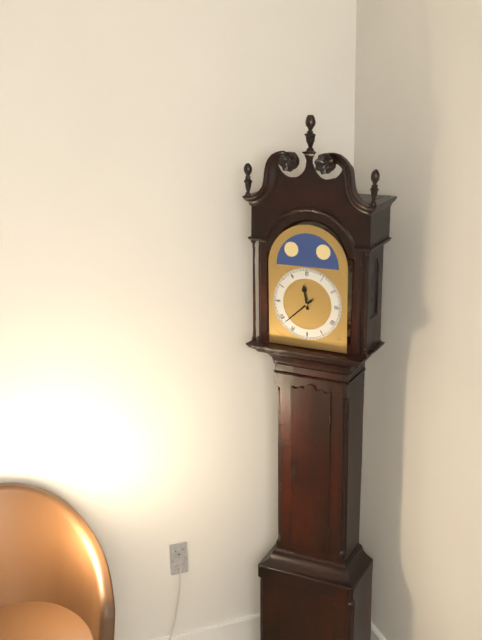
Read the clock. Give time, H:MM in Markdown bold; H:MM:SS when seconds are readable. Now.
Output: **11:38**
